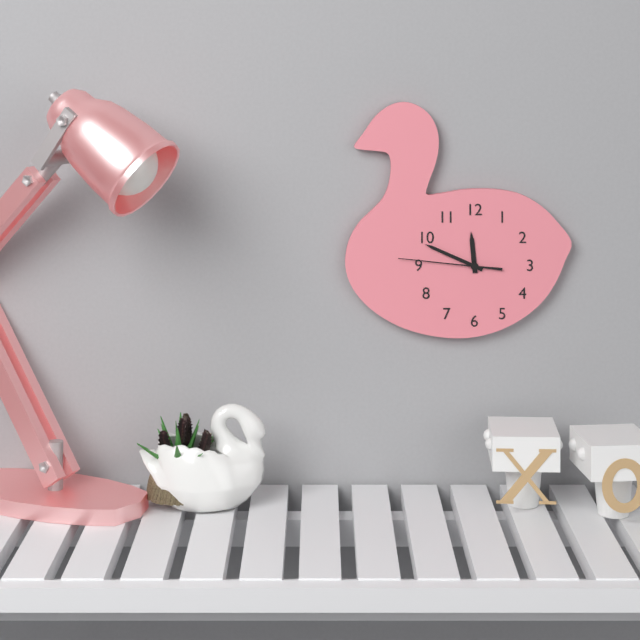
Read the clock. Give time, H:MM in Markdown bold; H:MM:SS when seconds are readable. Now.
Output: **11:49:46**
